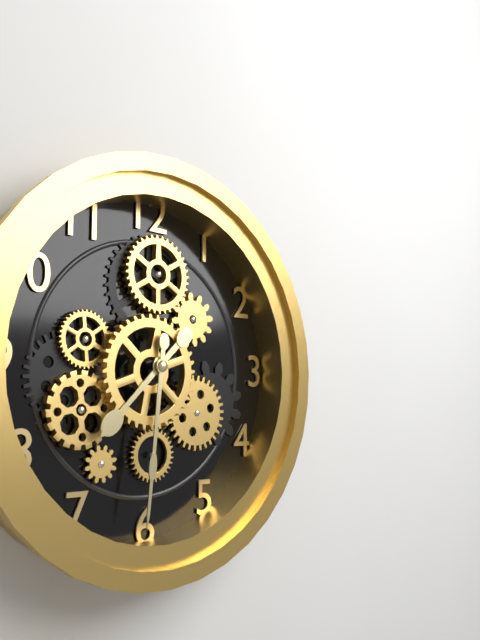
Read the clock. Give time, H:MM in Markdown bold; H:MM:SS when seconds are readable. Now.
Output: **7:31**
